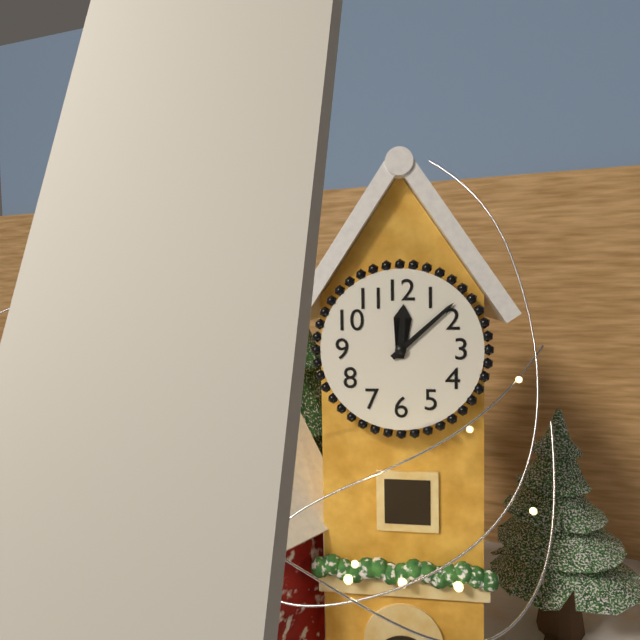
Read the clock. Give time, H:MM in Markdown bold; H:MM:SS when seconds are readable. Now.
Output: **12:08**
